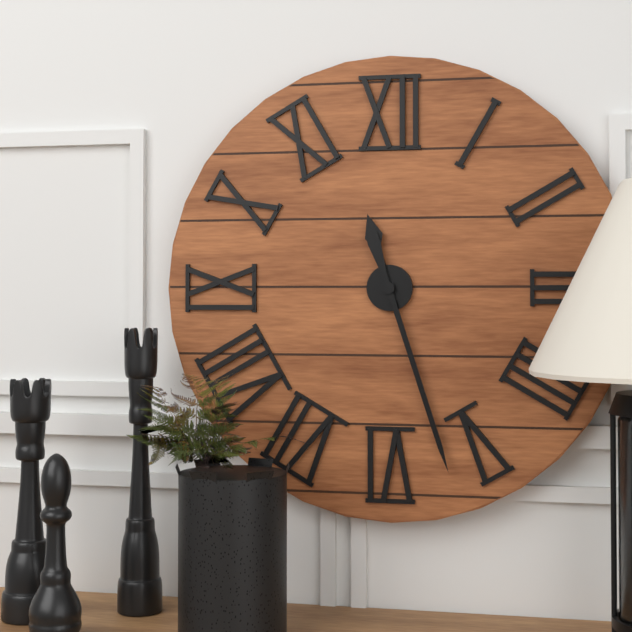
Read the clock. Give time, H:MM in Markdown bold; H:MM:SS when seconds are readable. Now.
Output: **11:27**
